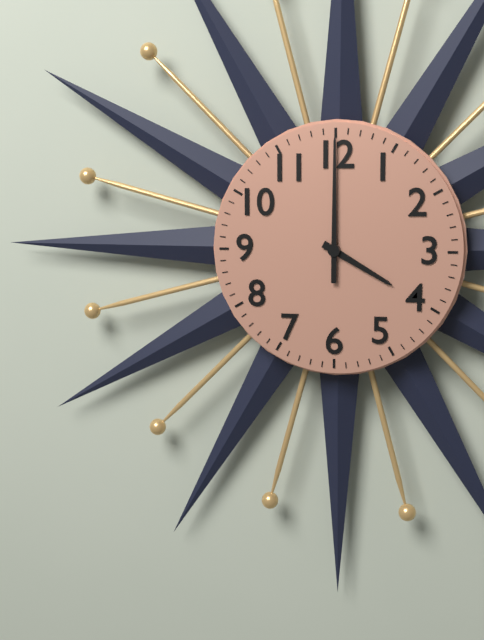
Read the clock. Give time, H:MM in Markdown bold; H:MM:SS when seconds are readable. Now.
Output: **4:00**
